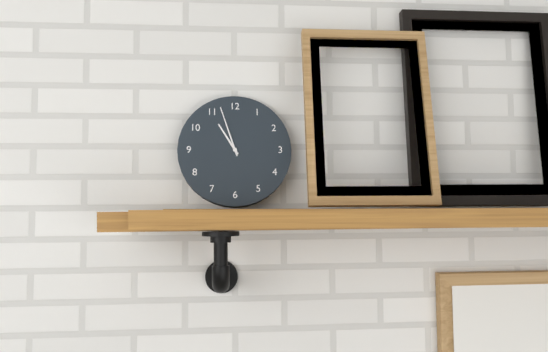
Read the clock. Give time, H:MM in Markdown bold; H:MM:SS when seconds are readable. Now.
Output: **10:57**
